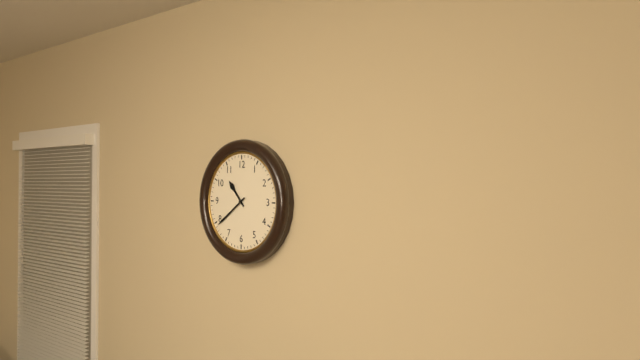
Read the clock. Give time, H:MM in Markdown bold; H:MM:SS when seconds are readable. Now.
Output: **10:39**
